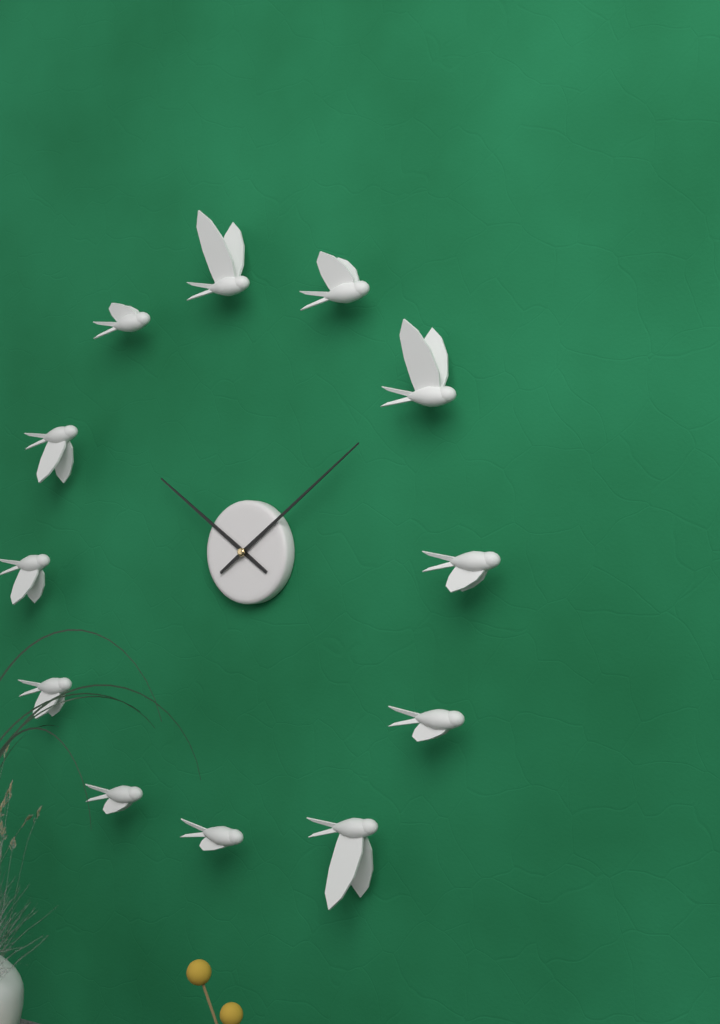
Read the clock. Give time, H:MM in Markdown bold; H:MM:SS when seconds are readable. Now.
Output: **10:09**
